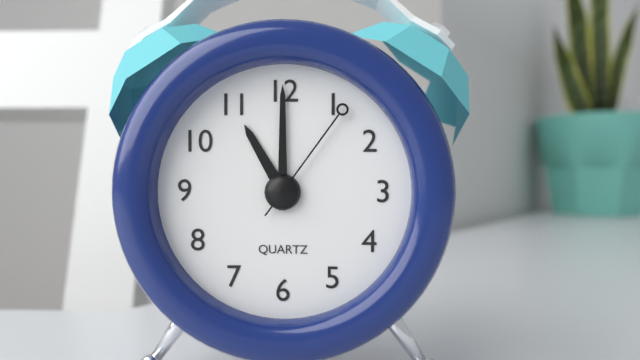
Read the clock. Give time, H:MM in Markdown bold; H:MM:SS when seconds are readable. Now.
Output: **11:00:06**
